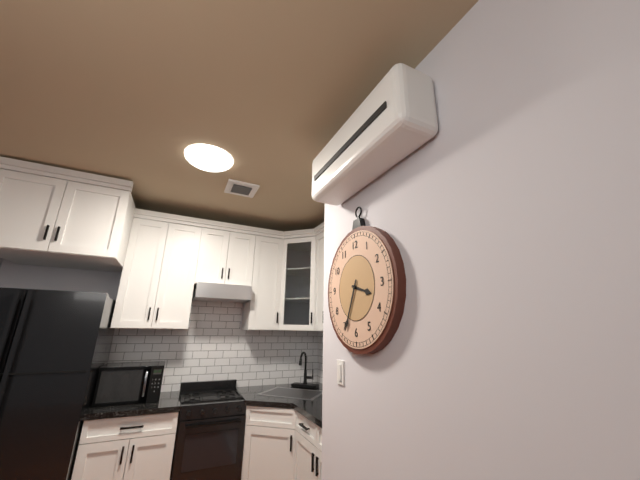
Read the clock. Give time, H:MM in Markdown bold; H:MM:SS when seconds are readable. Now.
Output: **3:34**
